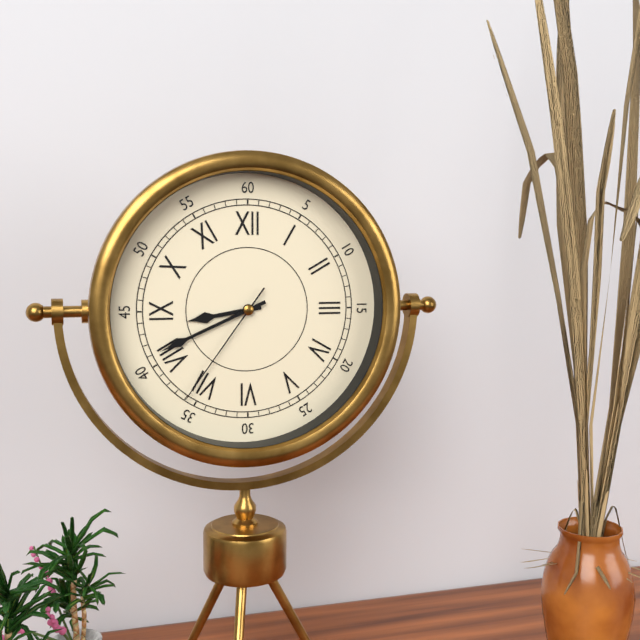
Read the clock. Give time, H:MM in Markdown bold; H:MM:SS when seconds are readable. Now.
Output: **8:41:36**
